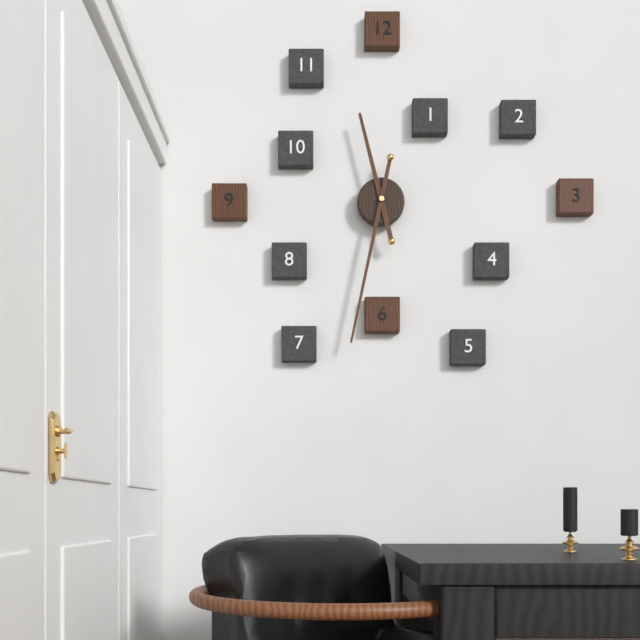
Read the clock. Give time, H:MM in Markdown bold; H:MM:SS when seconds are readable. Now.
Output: **11:32**
